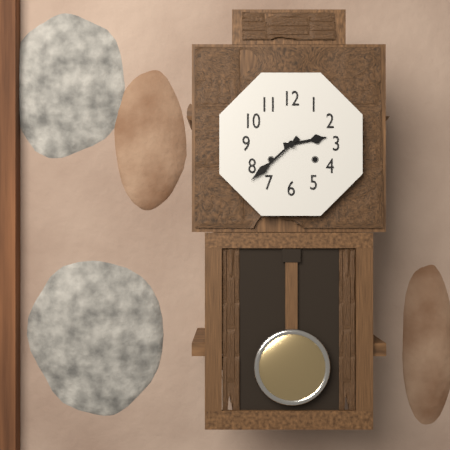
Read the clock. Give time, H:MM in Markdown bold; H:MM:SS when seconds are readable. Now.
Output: **2:38**
